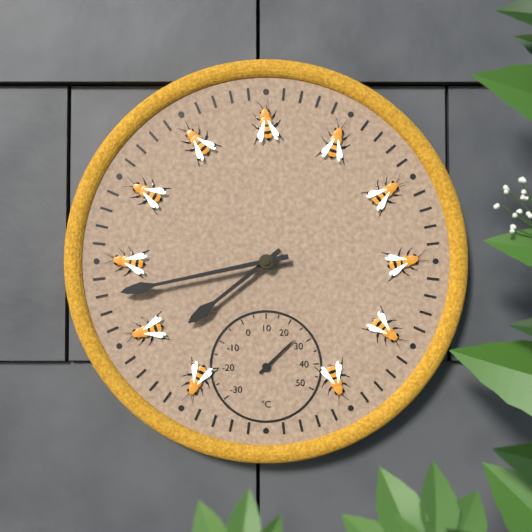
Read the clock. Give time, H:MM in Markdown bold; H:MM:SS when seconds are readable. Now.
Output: **7:43**
